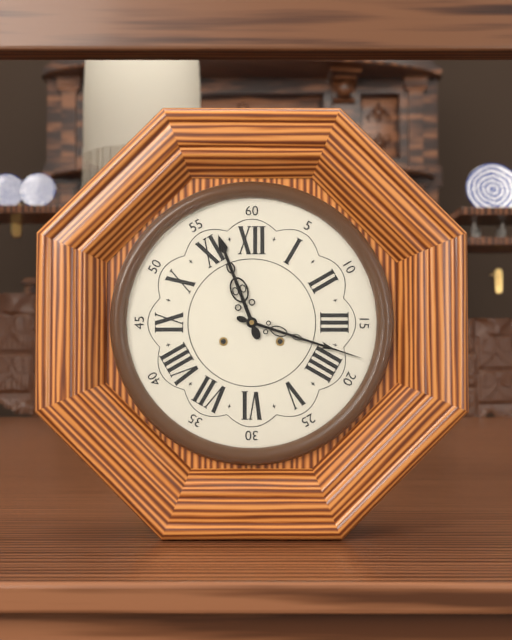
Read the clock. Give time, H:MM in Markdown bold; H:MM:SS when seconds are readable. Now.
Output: **11:18**
